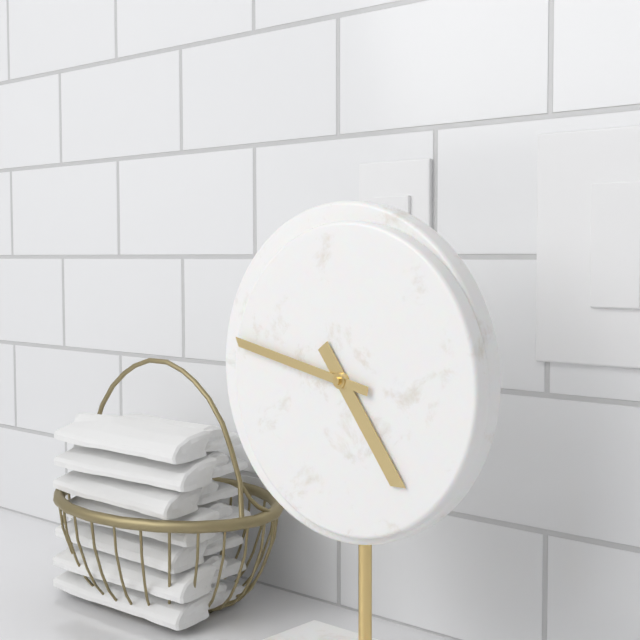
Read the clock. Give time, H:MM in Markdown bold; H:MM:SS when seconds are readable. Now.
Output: **4:47**
